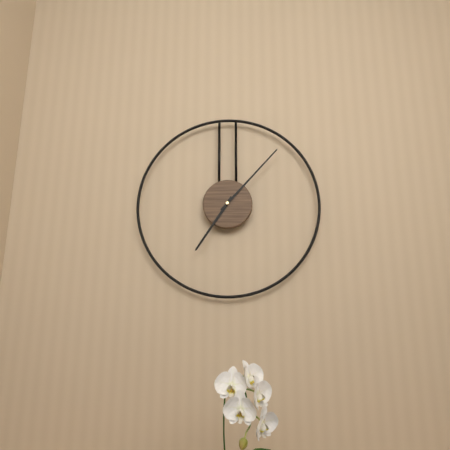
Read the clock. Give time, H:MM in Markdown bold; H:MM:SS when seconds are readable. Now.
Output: **7:07**
